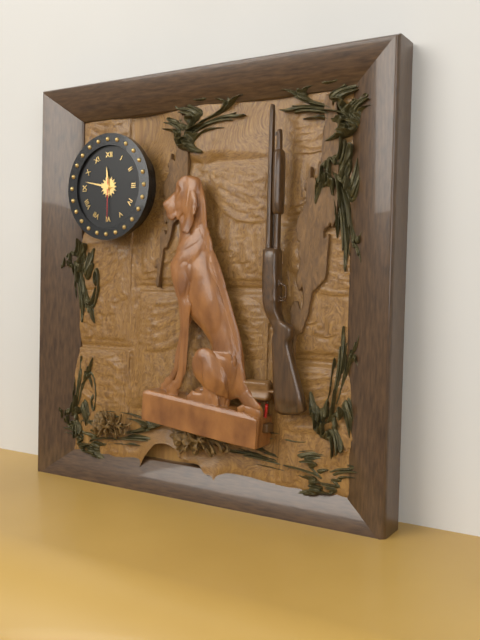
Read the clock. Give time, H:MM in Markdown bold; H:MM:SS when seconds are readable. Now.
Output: **11:47**
